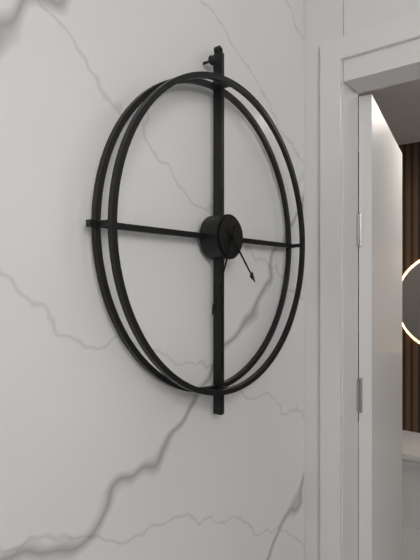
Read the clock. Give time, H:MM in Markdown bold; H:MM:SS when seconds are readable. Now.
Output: **4:34**
